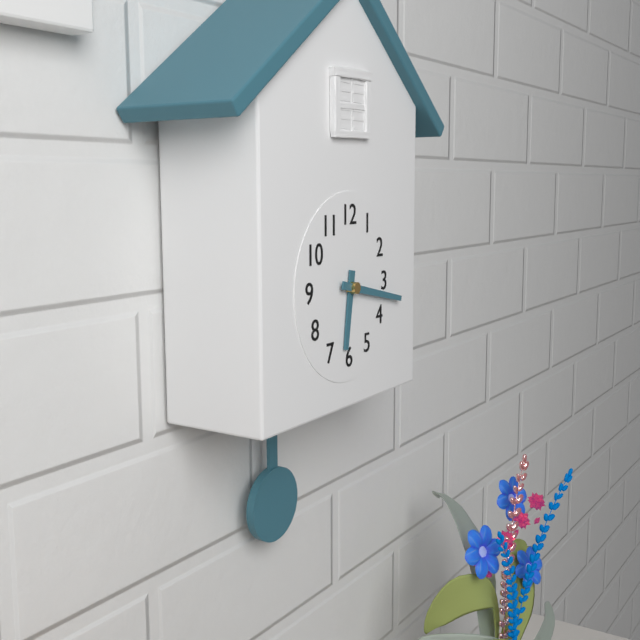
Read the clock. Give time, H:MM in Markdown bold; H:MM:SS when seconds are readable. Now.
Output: **6:17**
